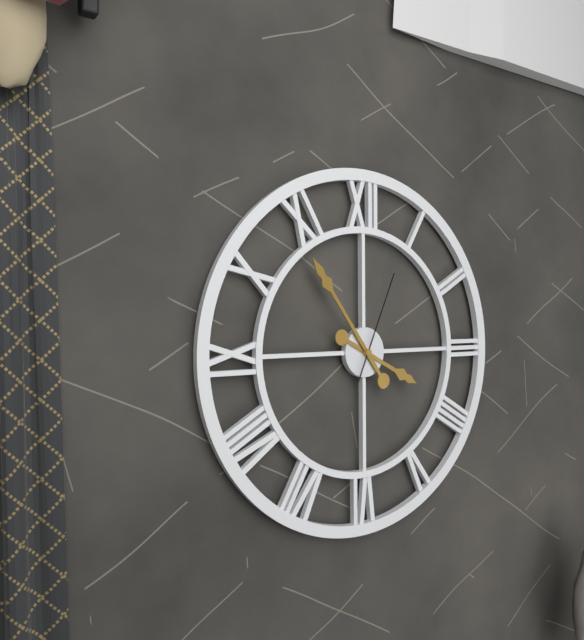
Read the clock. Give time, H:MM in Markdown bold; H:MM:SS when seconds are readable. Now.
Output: **3:54:04**
